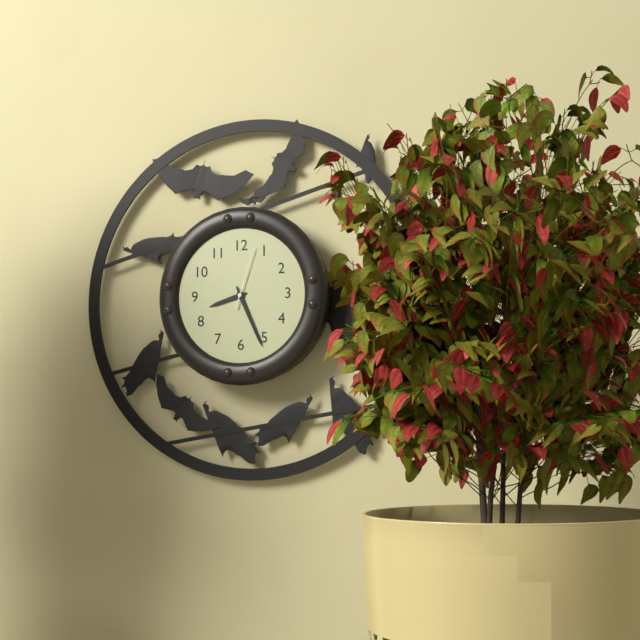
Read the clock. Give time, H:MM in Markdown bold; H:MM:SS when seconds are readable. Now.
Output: **8:26:03**
